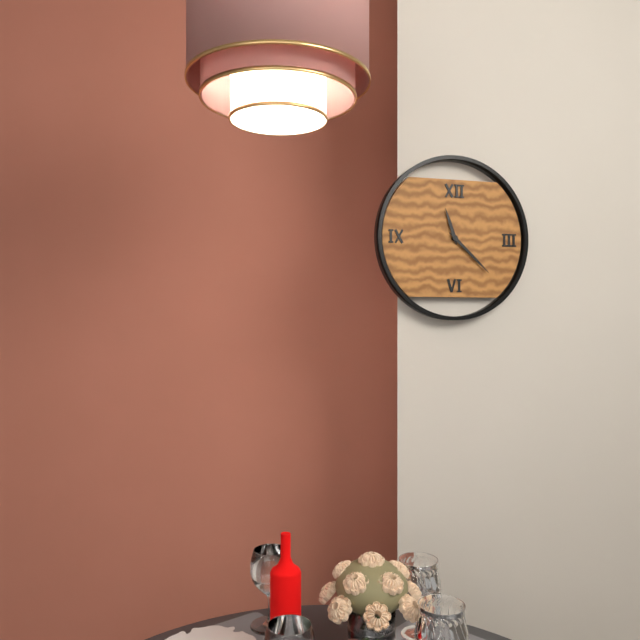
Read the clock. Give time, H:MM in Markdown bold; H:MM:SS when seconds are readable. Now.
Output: **11:22**
